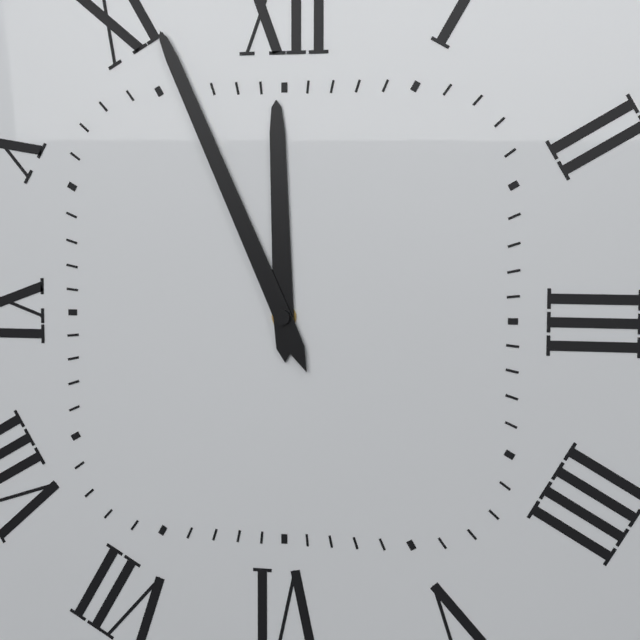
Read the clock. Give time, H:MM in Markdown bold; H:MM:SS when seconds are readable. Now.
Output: **11:56**
